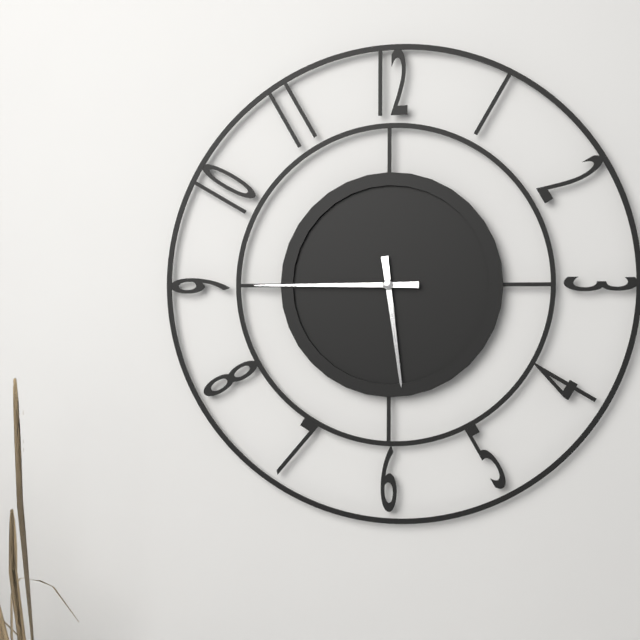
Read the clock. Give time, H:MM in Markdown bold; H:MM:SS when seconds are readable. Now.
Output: **5:45**
